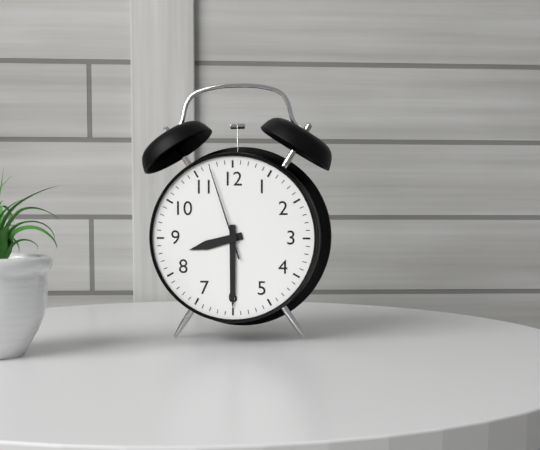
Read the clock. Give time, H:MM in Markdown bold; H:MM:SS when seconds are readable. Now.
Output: **8:30:57**
